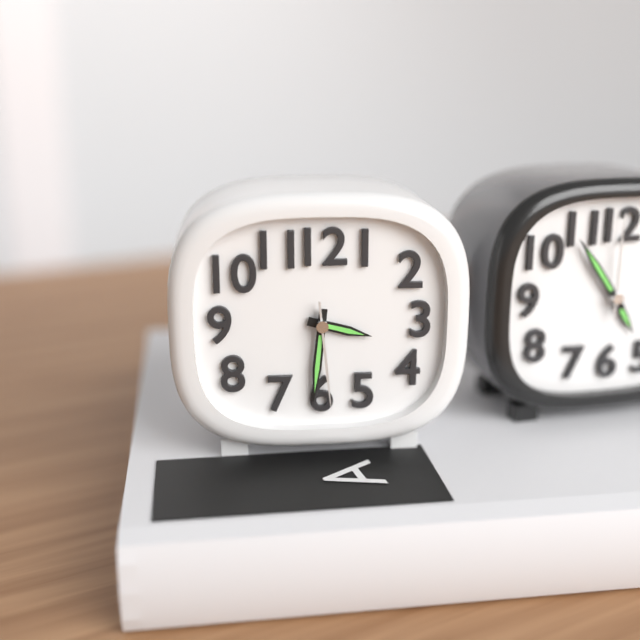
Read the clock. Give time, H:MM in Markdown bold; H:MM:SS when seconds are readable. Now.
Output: **3:31:29**
